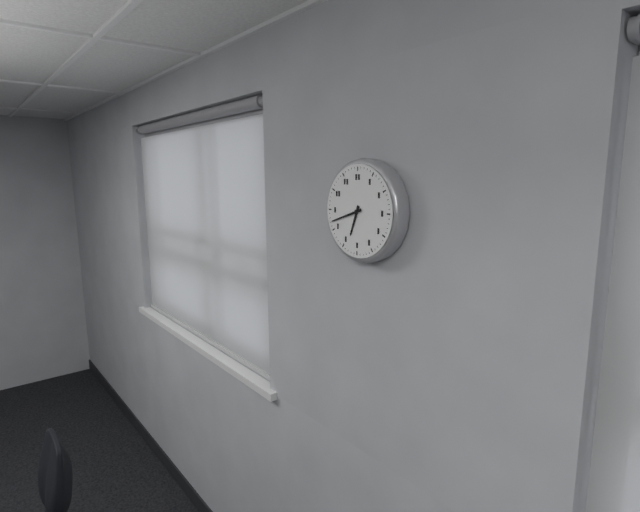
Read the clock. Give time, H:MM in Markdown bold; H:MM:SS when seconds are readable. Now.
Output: **6:42**
